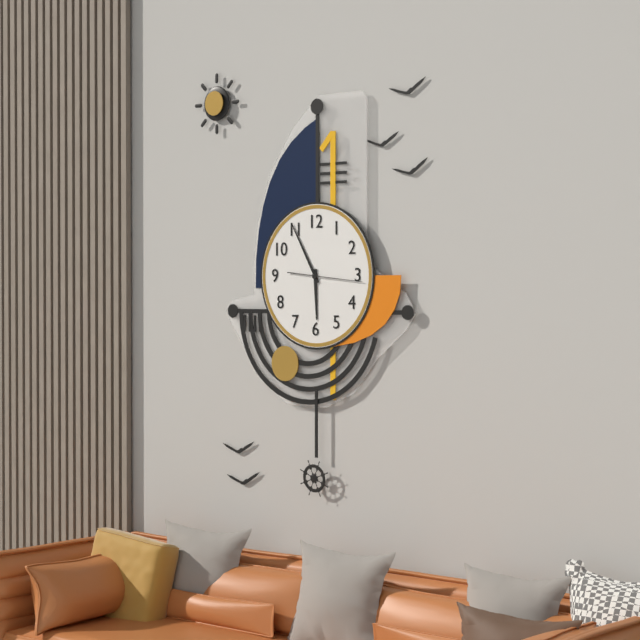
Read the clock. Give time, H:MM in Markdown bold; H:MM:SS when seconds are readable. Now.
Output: **5:55:16**
